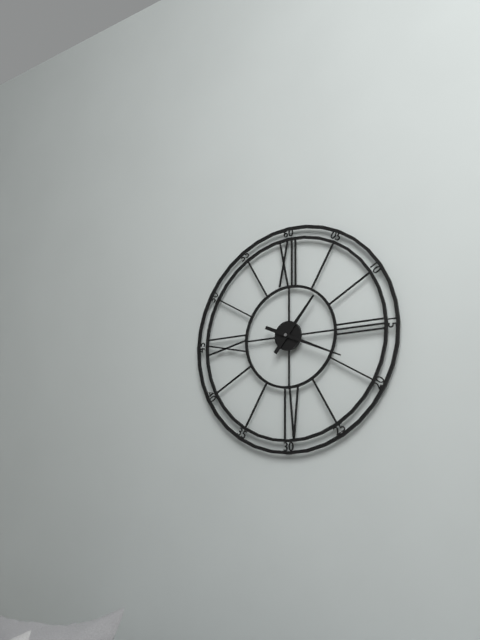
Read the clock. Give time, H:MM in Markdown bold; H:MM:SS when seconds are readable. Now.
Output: **1:19**
